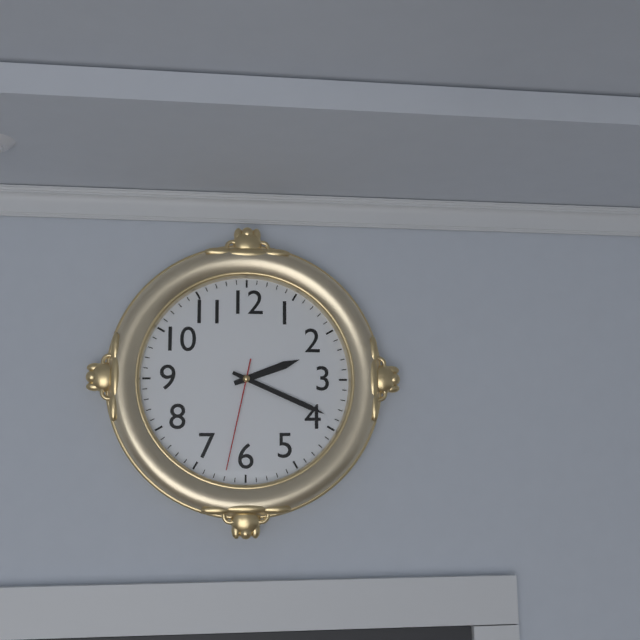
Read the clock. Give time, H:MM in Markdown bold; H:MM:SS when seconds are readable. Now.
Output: **2:19:32**
